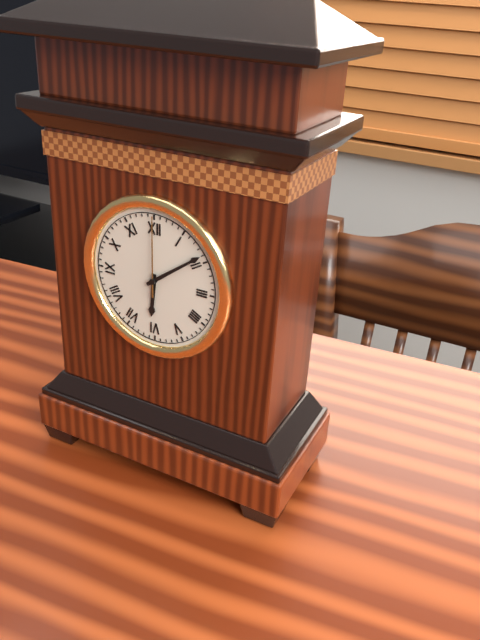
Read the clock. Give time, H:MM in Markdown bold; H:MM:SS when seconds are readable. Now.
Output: **6:09:00**
